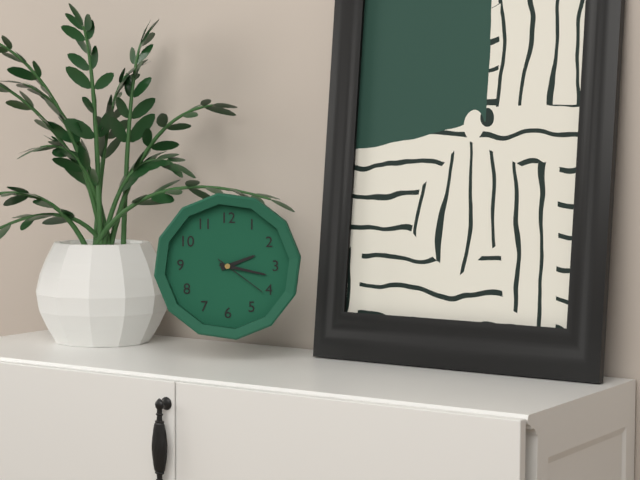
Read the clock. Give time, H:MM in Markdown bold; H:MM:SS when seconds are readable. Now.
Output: **2:17:21**
